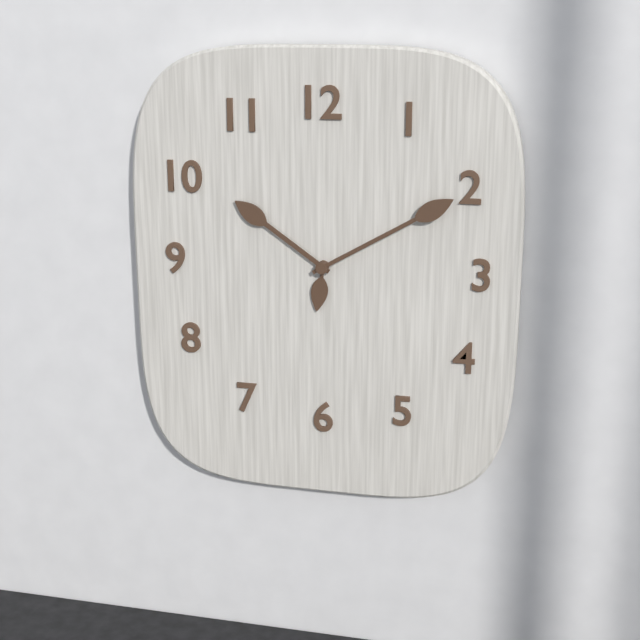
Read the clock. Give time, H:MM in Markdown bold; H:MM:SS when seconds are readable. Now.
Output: **10:10**
